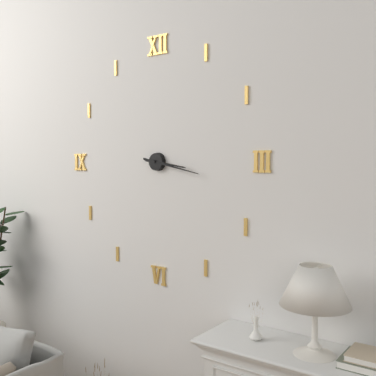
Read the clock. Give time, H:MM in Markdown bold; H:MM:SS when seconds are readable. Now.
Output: **3:17**
